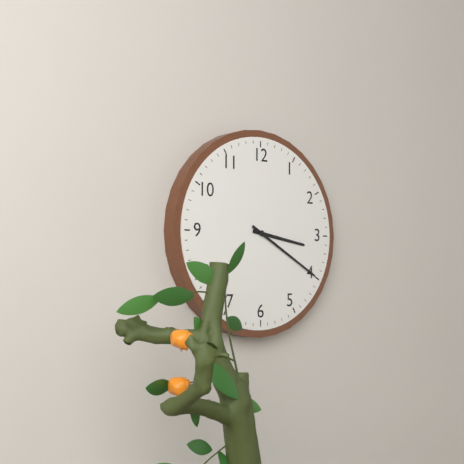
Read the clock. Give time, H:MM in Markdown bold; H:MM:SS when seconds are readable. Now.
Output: **3:20**
